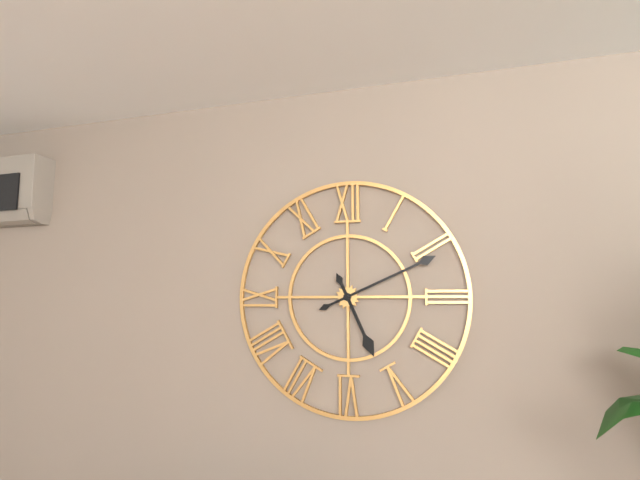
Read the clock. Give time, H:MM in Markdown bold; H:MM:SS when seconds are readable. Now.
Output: **5:11**
